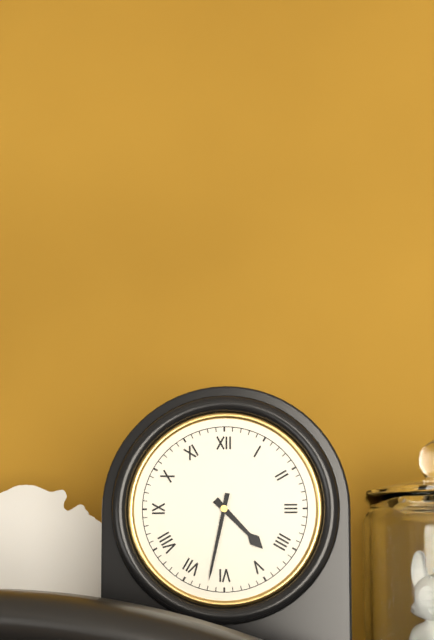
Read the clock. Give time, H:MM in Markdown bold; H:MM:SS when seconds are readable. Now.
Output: **4:32**
